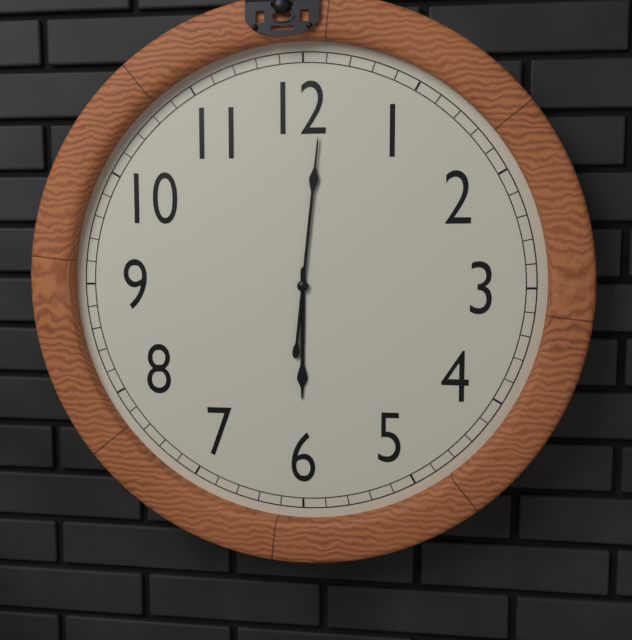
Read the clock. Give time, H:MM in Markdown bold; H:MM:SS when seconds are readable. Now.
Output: **6:01**
